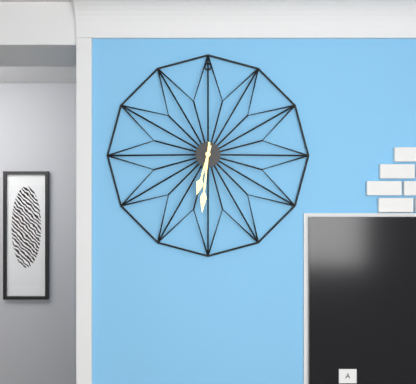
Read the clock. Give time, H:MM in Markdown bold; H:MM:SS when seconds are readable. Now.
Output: **6:31**
